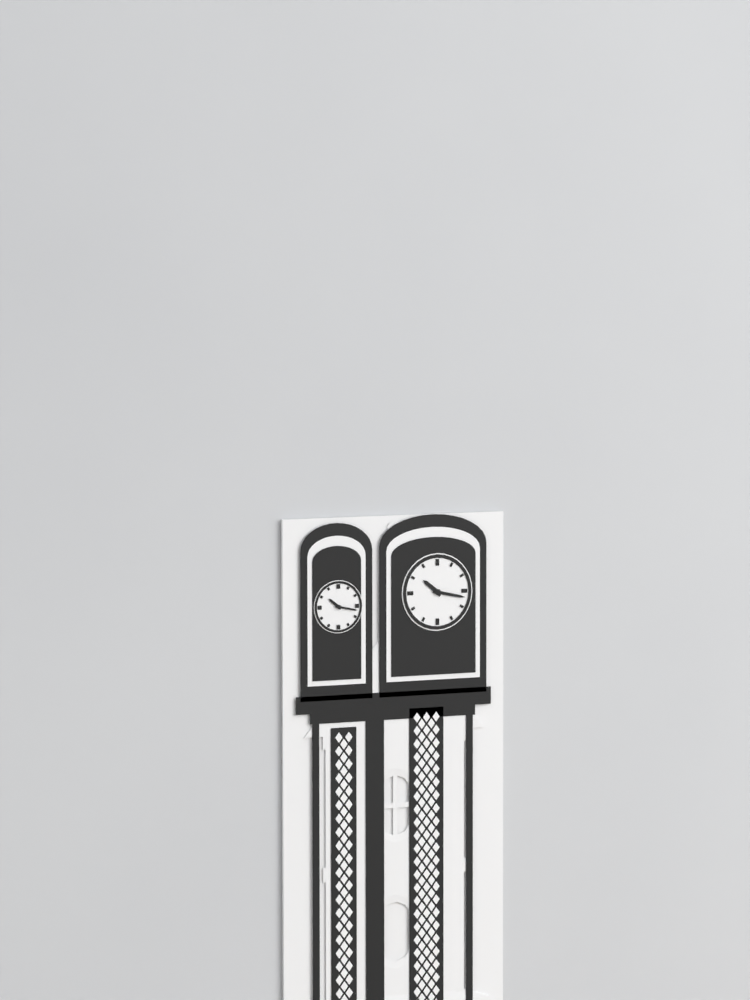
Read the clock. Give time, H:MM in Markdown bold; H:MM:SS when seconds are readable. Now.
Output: **10:17**
